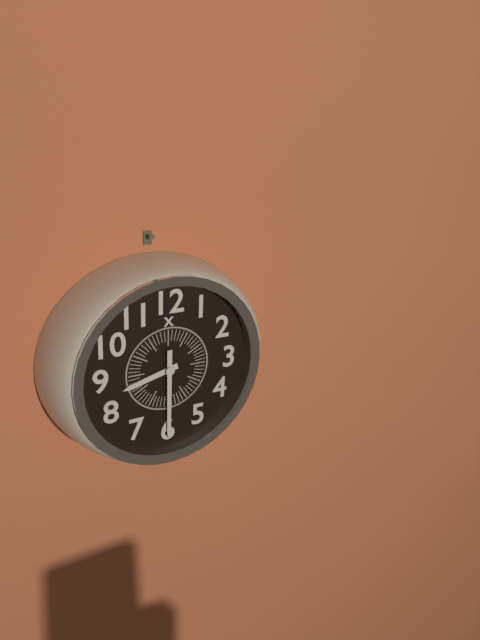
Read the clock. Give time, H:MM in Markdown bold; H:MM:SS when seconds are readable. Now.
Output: **8:30**
